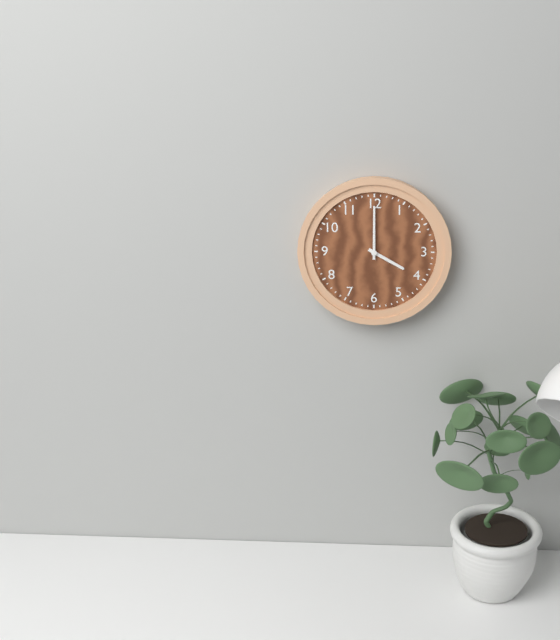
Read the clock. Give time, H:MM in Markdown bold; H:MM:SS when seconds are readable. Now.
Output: **4:00**
